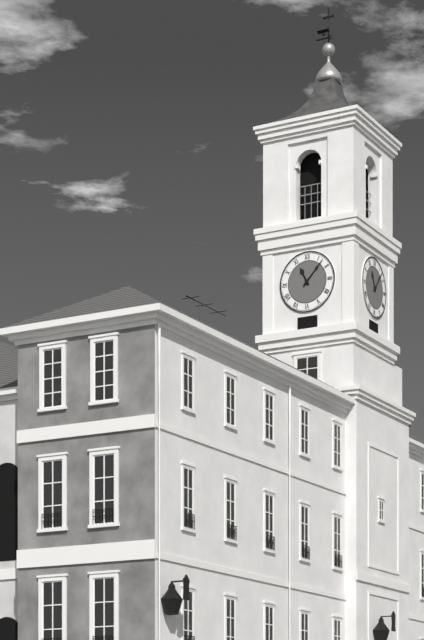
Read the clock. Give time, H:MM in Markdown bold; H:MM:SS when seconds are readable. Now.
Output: **11:07**
